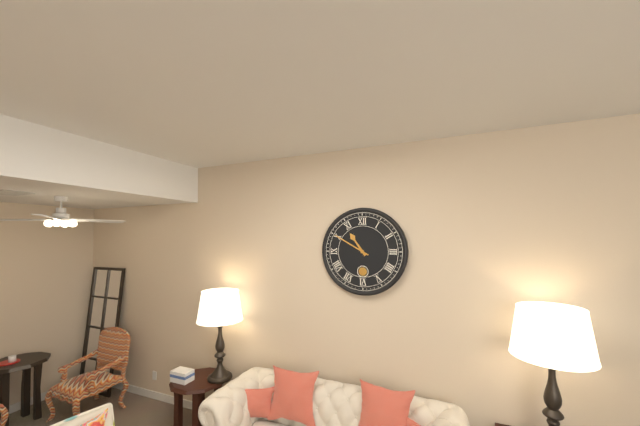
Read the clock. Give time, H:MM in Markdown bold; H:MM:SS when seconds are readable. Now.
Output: **10:50**
